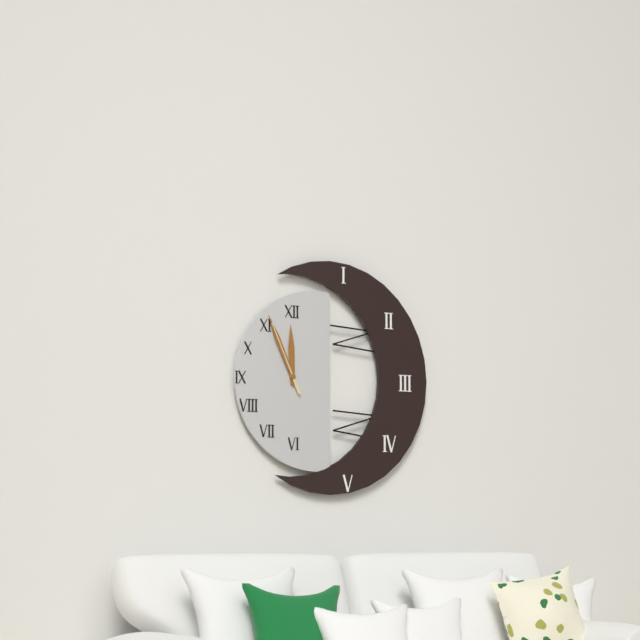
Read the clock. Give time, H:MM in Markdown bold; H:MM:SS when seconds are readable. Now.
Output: **11:56:56**
